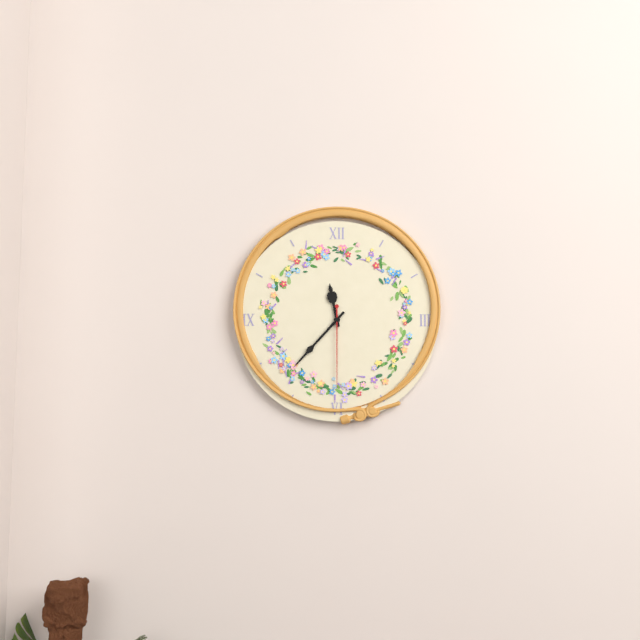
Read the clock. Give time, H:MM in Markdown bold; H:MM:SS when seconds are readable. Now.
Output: **11:37:30**
